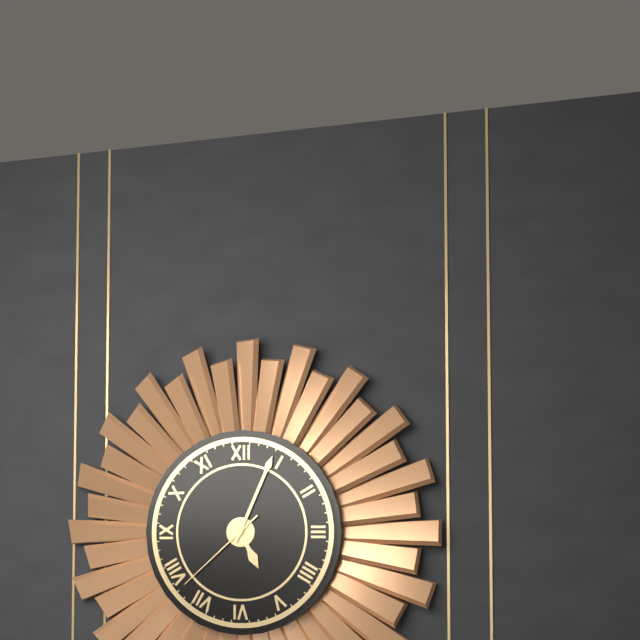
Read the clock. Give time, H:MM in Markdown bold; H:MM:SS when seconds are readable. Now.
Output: **5:04:38**
